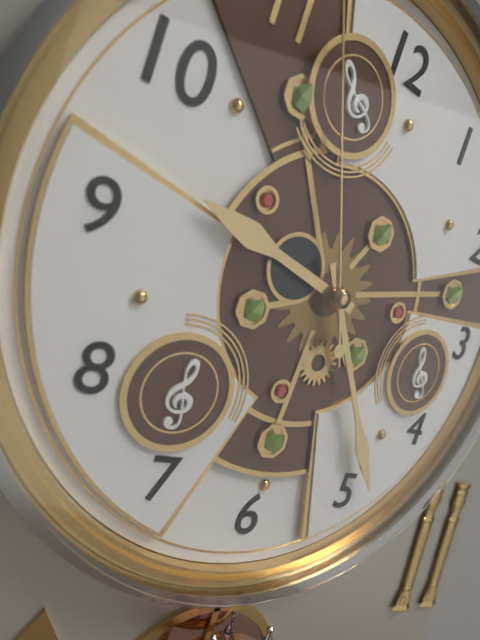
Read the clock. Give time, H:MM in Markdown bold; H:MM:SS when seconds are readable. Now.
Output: **9:24**
